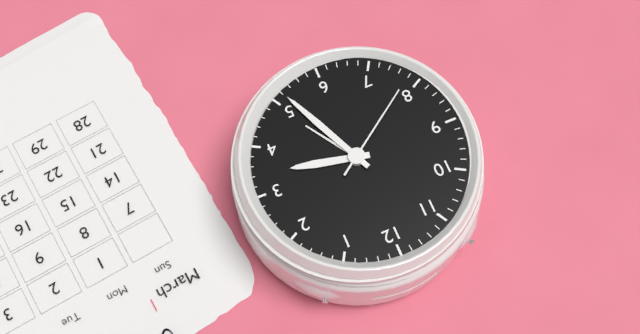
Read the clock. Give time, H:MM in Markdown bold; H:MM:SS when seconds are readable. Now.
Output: **3:26:39**
